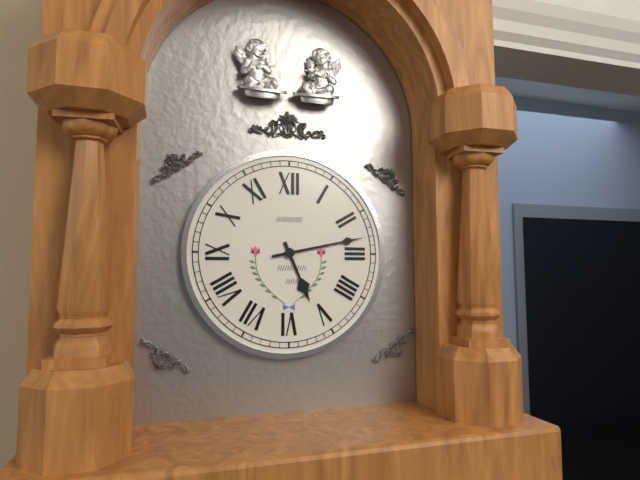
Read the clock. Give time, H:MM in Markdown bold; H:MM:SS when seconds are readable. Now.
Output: **5:13**
